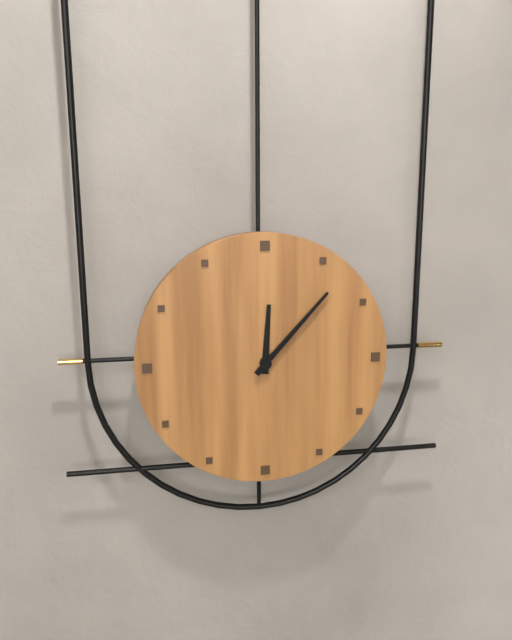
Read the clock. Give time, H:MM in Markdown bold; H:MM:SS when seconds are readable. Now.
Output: **12:07**
